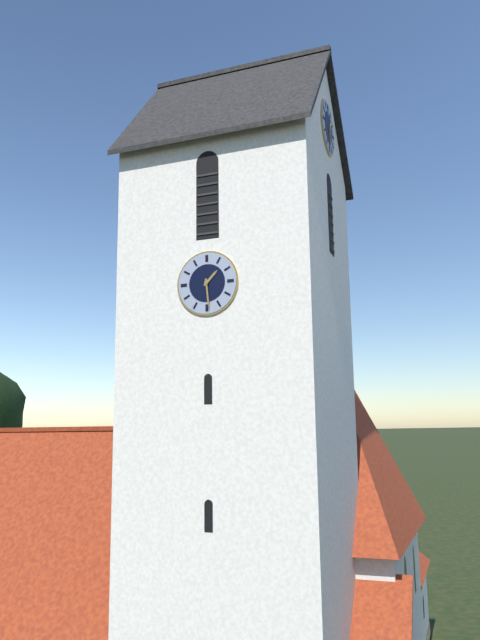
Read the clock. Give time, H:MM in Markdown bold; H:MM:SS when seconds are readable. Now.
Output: **1:29**
